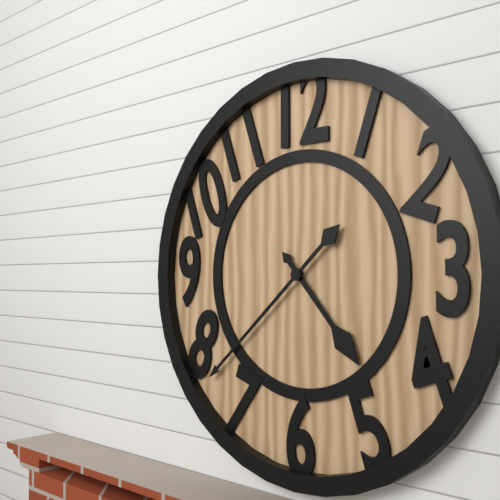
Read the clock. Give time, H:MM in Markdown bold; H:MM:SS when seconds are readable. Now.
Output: **4:38**
